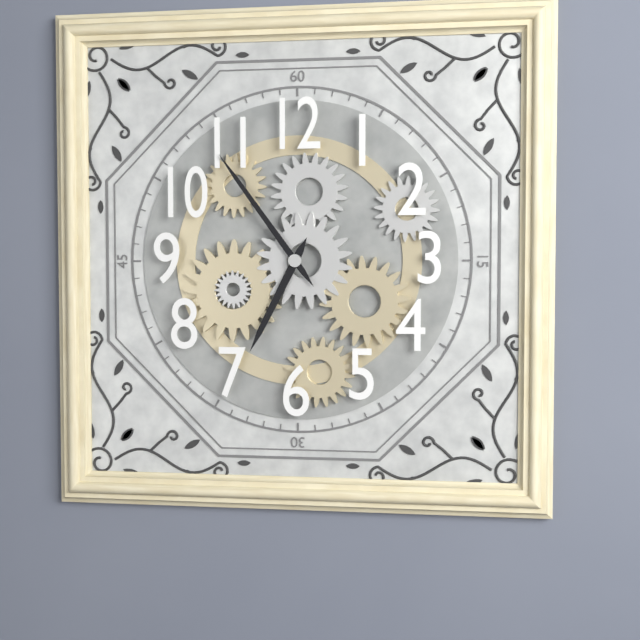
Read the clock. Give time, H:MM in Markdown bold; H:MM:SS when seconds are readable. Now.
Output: **6:54**
